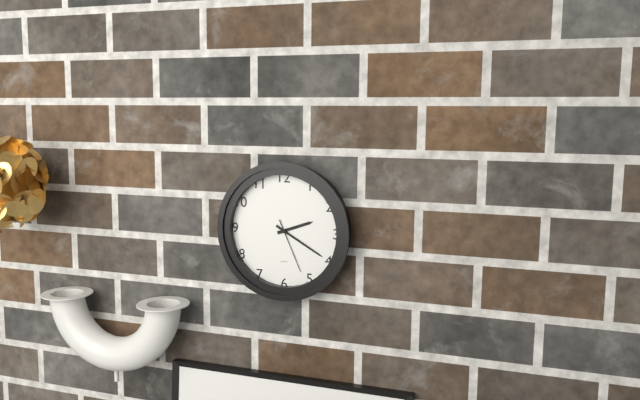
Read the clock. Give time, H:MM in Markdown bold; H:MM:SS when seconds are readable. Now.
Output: **2:20:26**
